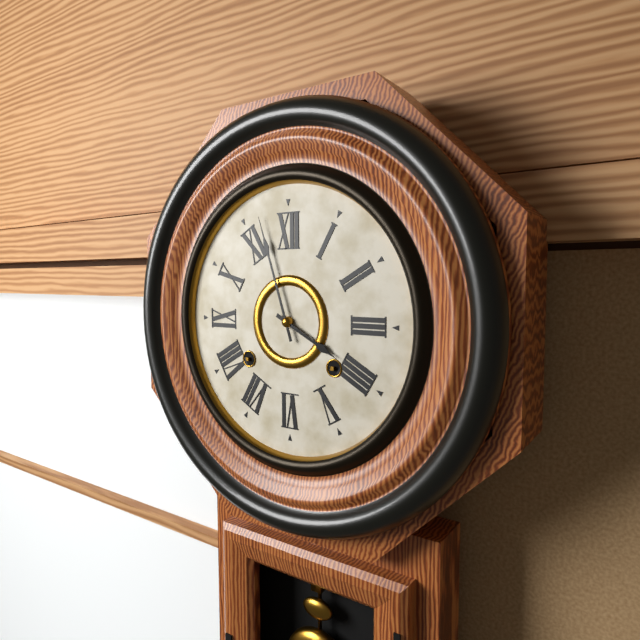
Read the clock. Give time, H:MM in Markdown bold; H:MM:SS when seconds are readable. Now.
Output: **3:57**
